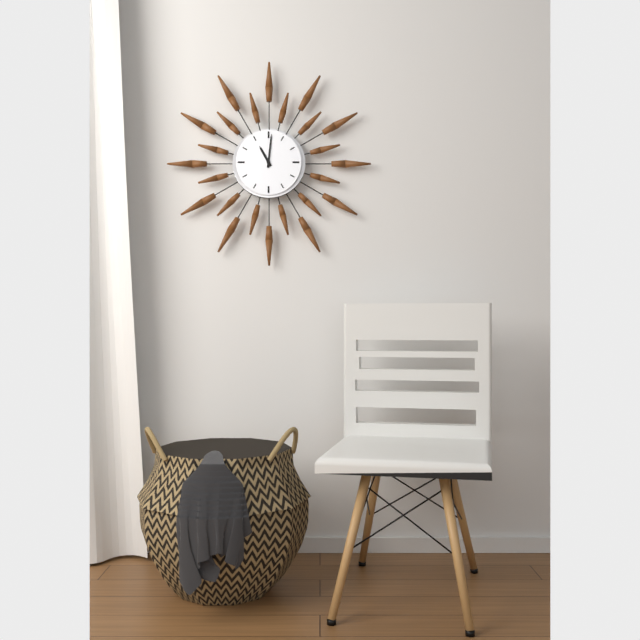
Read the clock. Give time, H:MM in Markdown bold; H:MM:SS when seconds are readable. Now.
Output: **11:01**
